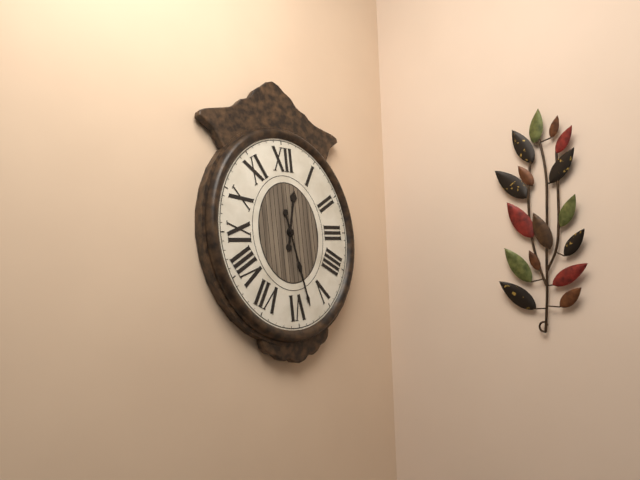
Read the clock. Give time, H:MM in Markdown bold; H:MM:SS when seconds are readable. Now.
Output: **12:28**
